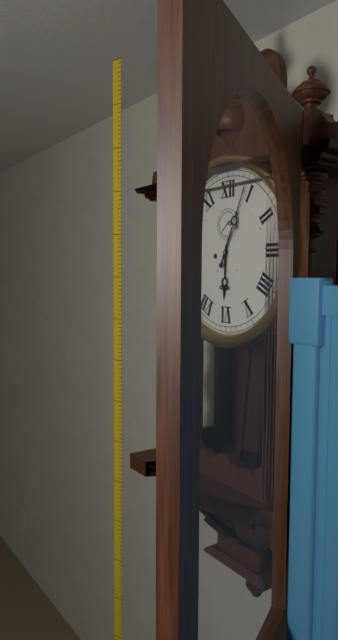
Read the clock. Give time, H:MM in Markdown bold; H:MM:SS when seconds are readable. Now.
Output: **6:04**
